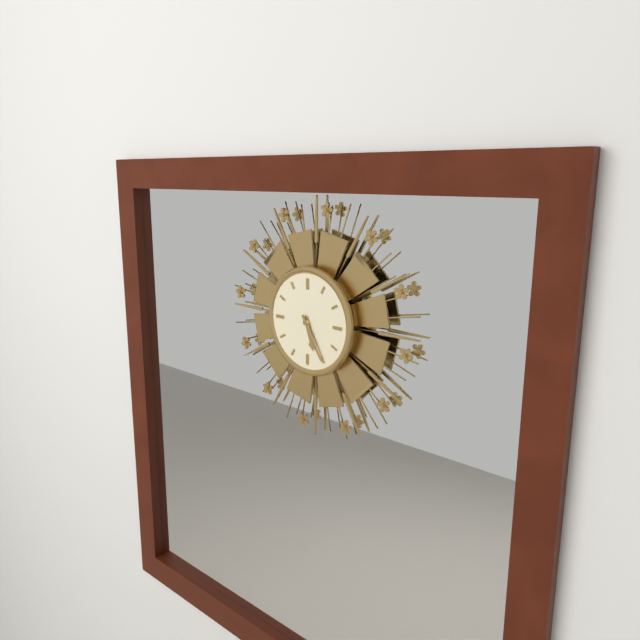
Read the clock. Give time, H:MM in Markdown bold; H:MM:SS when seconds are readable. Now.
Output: **5:25**
